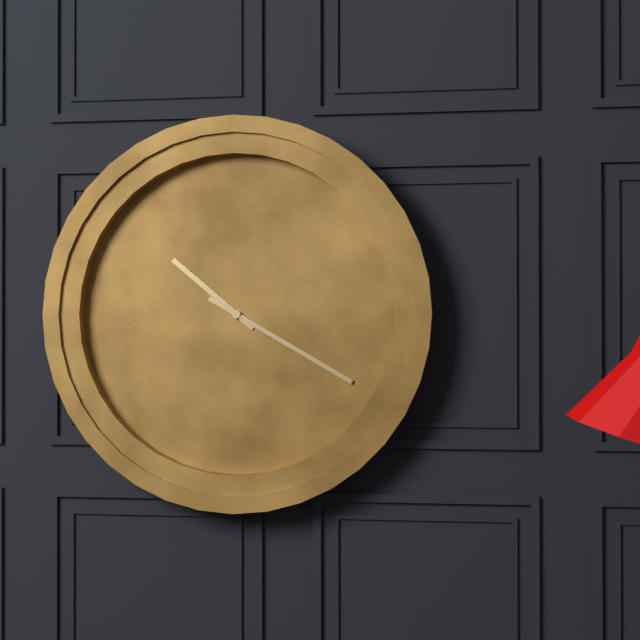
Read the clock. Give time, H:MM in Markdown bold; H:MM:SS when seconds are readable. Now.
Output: **10:20**
